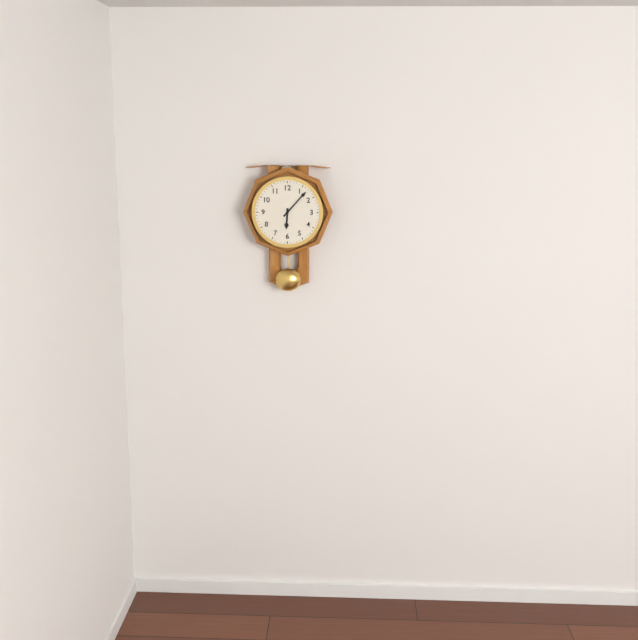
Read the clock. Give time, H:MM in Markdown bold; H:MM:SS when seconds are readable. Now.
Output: **6:07**
